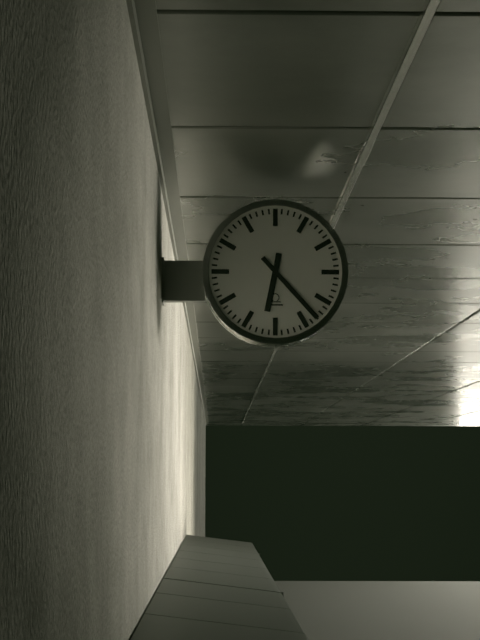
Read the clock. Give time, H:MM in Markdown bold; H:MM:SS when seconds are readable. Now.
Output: **6:23**
